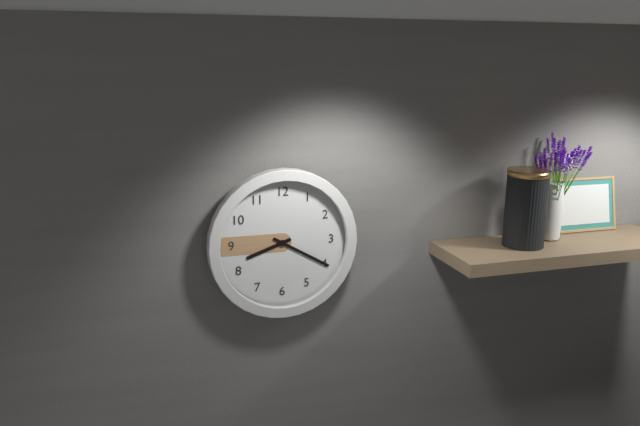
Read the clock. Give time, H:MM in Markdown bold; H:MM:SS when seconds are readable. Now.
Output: **8:20**
